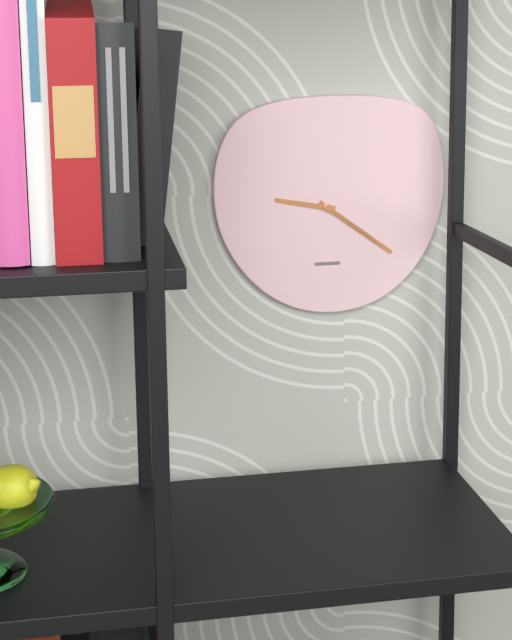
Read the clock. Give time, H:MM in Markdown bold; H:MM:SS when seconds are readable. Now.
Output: **9:21**
